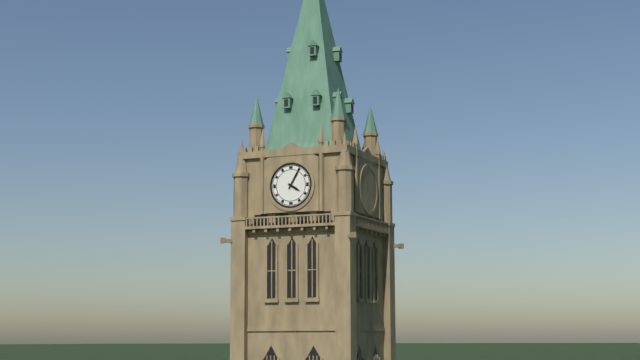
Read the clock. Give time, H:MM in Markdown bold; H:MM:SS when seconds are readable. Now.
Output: **4:05**
